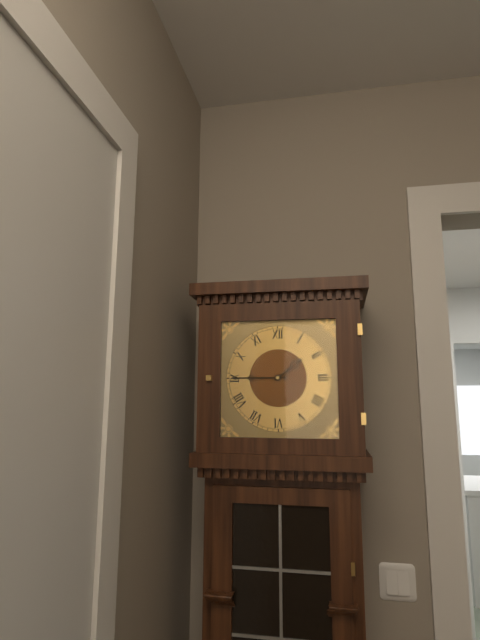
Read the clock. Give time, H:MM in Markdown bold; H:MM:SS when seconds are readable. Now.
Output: **1:45**
